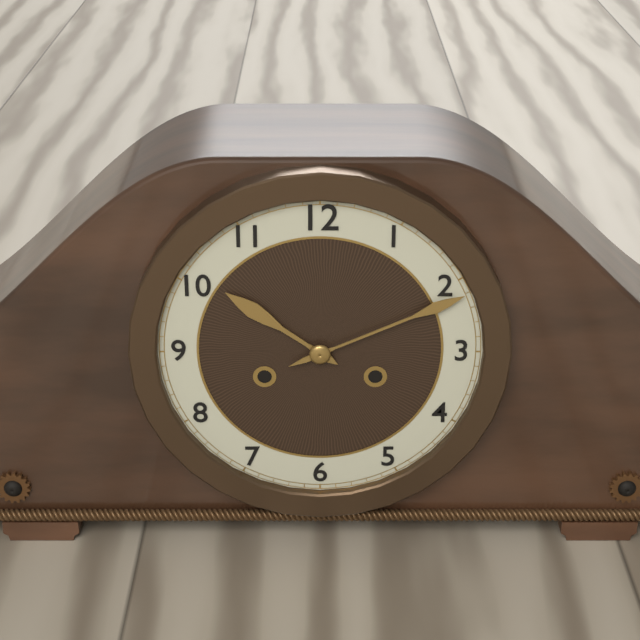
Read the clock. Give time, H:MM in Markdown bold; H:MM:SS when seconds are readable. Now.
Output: **10:11**
